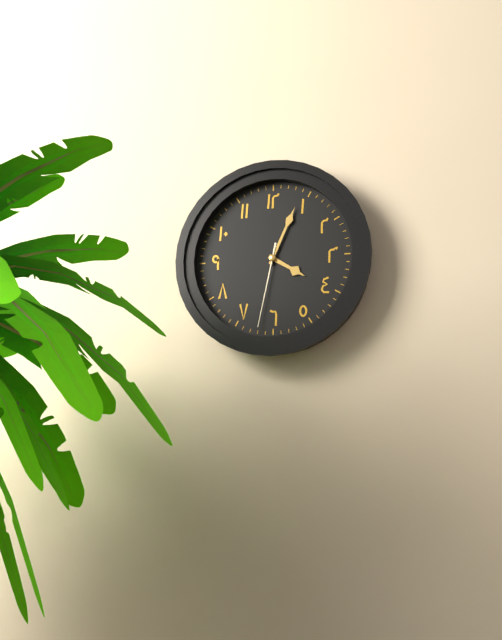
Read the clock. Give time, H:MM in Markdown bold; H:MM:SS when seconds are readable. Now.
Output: **4:04:32**
